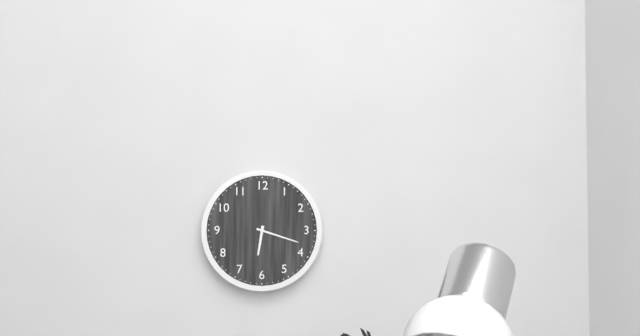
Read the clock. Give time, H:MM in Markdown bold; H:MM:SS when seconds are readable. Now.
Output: **6:18**
